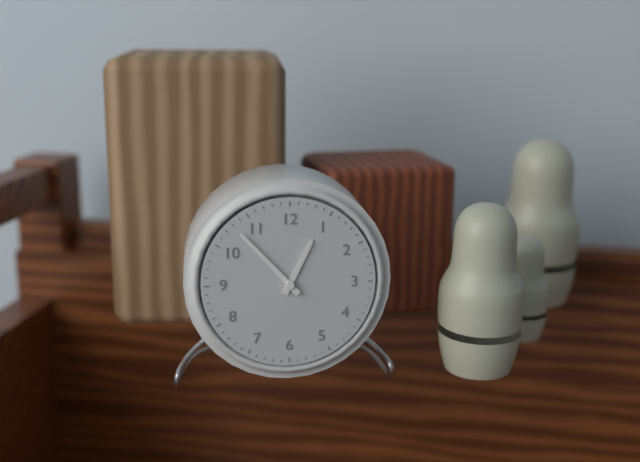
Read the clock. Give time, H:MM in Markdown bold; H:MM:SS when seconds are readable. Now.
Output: **12:53**
